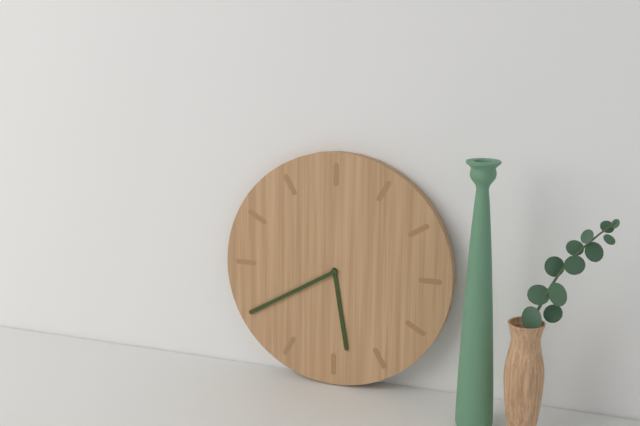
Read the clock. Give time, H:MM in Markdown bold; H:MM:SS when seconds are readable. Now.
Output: **5:40**
